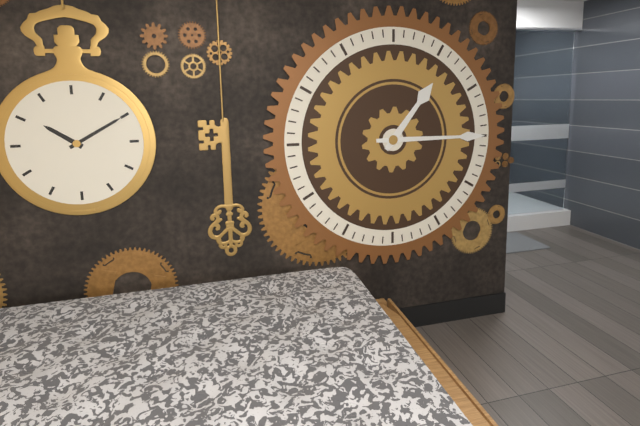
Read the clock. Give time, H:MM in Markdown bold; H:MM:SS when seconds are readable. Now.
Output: **1:15**
